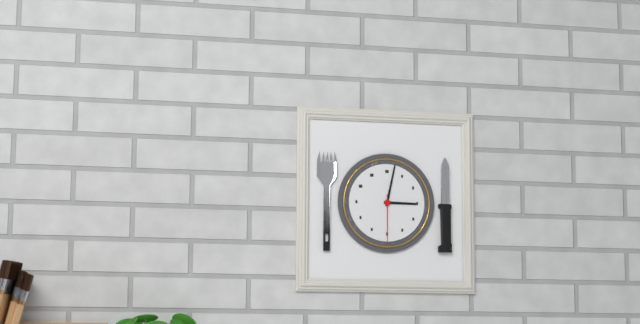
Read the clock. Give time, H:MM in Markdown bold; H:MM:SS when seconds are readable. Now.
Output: **3:02:30**
